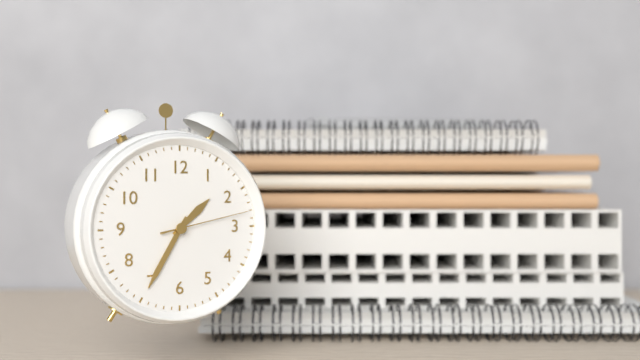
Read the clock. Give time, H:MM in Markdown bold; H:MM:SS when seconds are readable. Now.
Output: **1:35:13**
